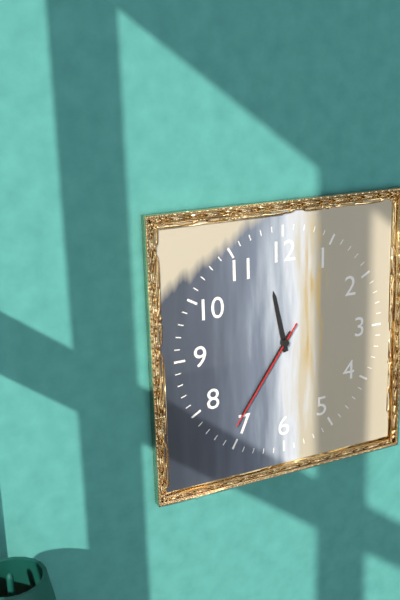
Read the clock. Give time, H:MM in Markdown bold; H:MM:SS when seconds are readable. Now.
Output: **11:36:36**
